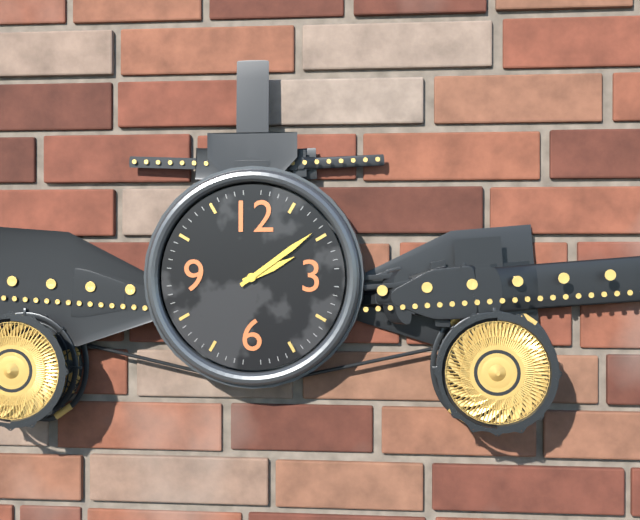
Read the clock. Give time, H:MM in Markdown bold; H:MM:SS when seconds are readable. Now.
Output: **2:09**
